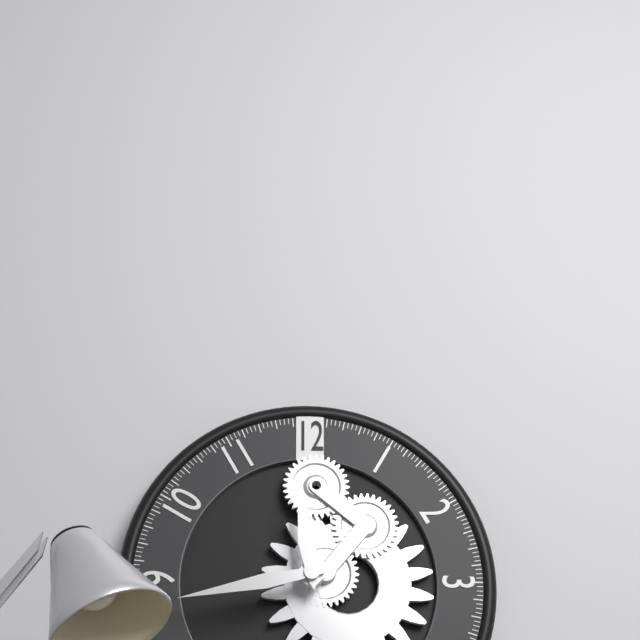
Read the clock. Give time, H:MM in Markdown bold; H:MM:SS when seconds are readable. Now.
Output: **11:43**
